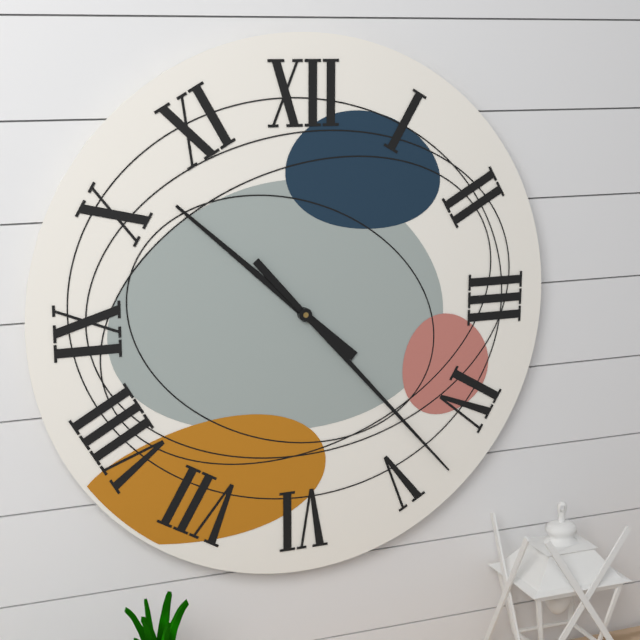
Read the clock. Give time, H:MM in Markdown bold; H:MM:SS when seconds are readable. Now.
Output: **10:23**
